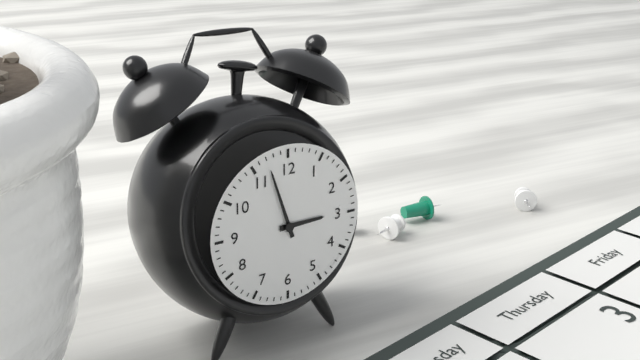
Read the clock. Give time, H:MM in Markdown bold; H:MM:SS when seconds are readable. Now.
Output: **2:57**
